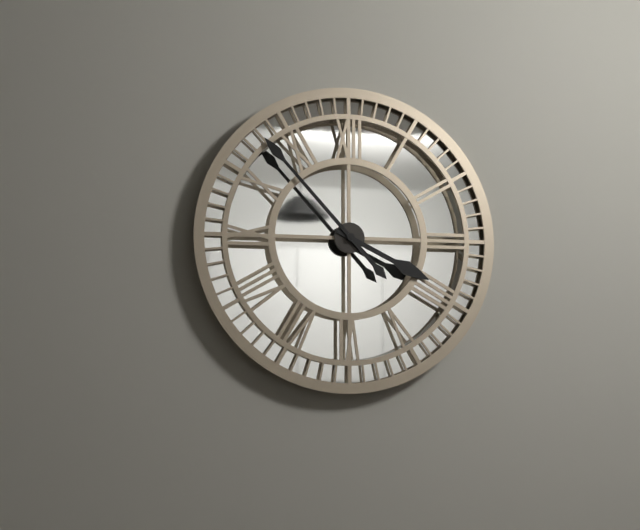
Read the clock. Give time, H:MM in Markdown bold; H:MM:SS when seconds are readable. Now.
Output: **3:53**
